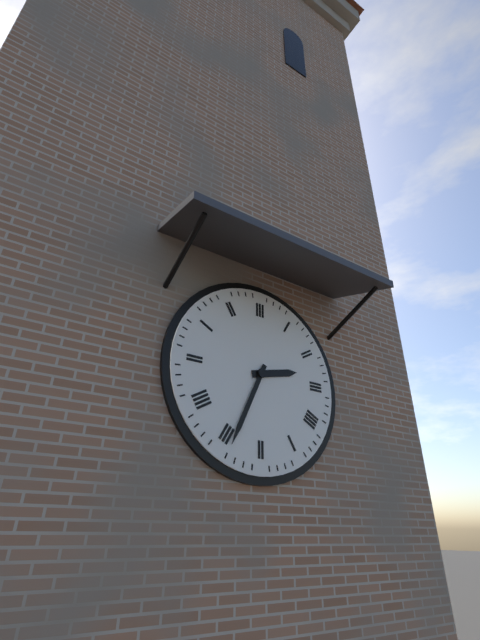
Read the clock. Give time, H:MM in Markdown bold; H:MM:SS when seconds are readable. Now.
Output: **2:34**
